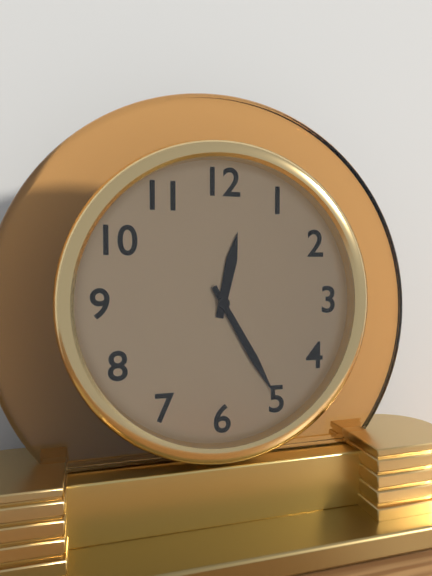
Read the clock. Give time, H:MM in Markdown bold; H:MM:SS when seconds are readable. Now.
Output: **12:25**
